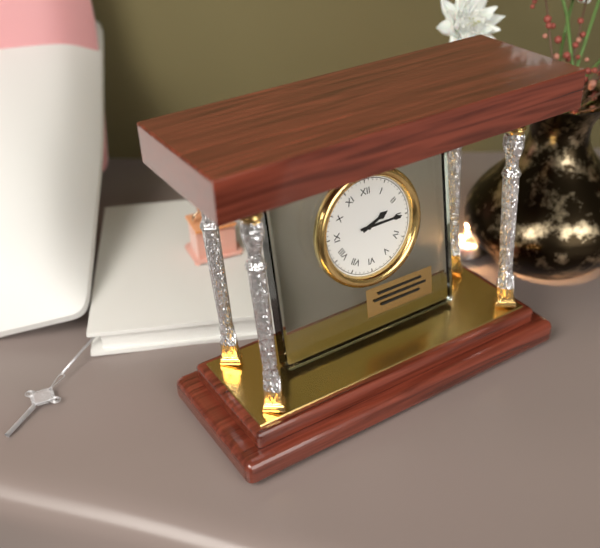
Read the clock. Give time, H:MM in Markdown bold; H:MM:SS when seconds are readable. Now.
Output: **2:15**
